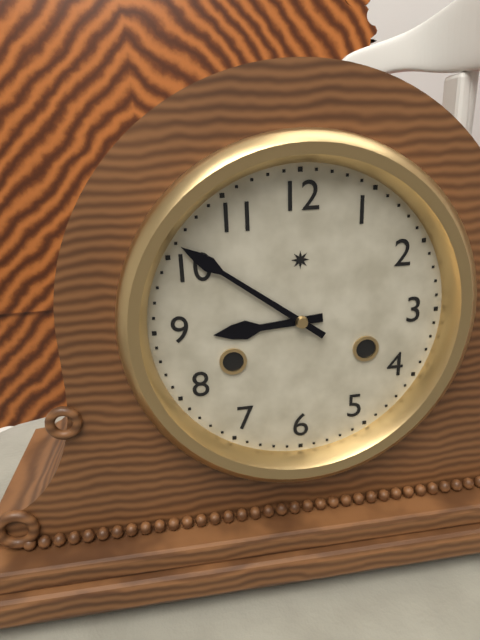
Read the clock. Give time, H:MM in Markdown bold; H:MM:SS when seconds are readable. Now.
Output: **8:51**
